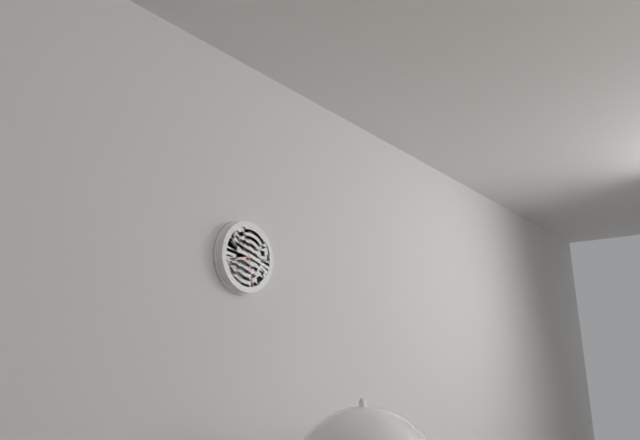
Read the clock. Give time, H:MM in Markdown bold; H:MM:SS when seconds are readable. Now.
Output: **8:28**
